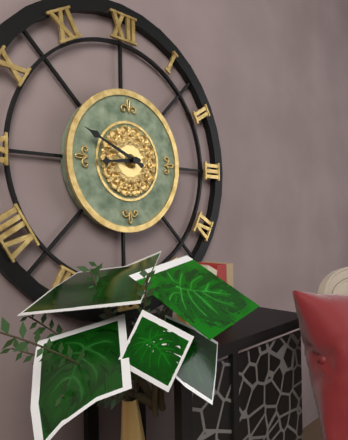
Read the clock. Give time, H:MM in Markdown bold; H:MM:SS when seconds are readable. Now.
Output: **8:49**
